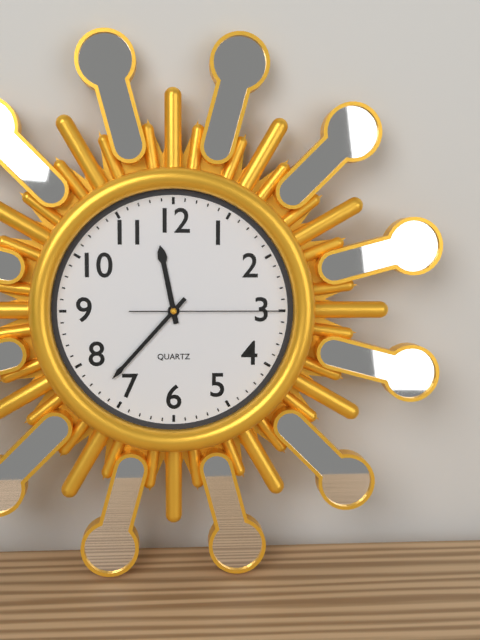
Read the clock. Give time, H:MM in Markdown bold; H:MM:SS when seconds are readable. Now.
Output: **11:37:15**
